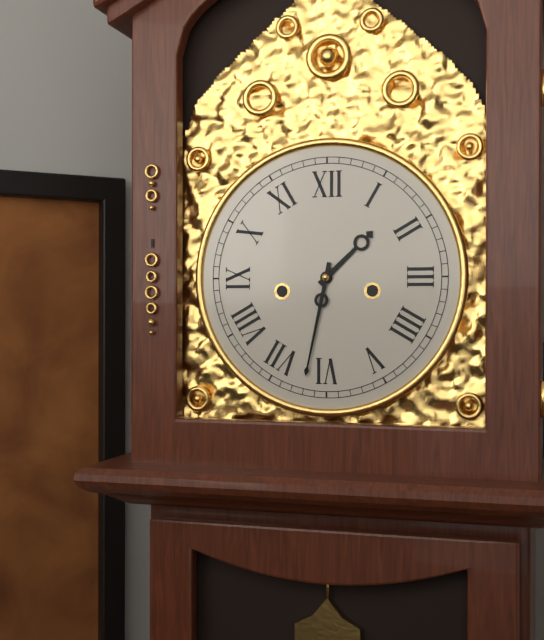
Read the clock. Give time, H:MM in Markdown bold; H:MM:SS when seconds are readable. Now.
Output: **1:32**
